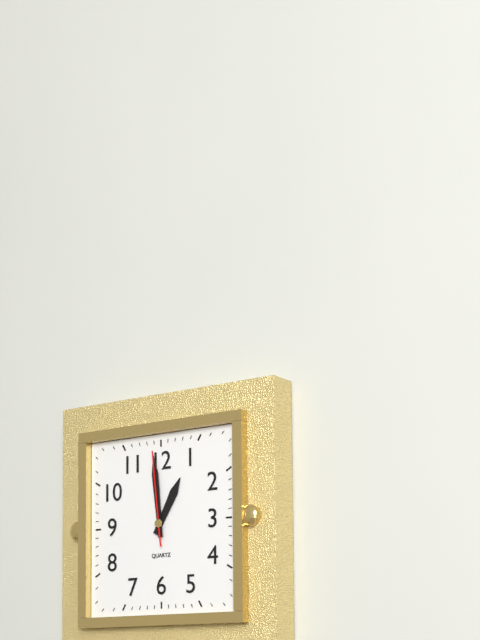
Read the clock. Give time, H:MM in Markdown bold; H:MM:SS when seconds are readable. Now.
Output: **12:59:59**
